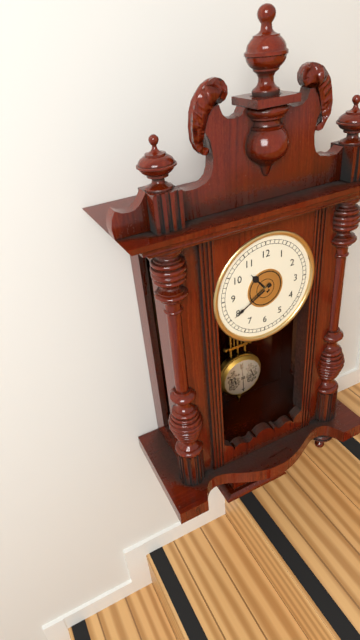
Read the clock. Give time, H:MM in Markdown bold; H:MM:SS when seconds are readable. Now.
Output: **10:40**
